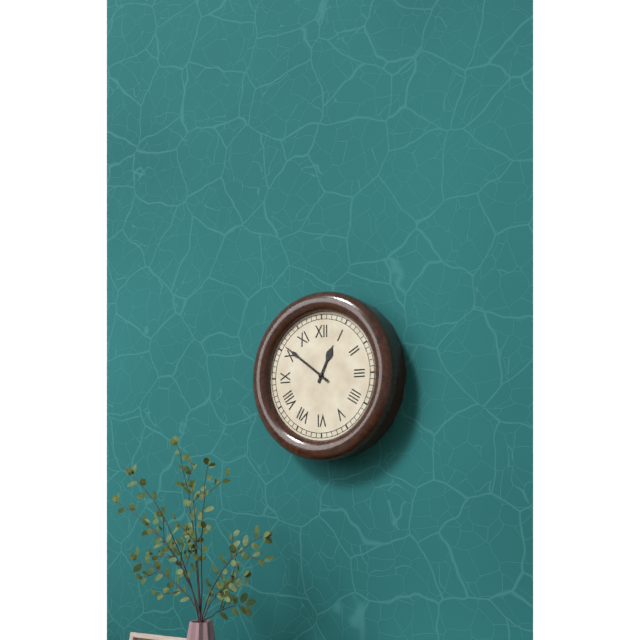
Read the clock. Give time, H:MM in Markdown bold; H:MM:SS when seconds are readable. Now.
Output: **12:51**
